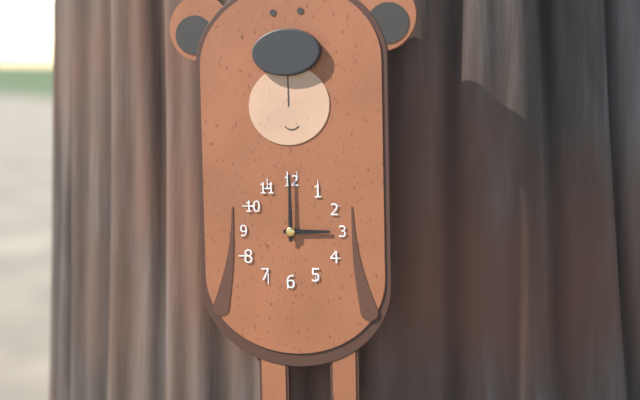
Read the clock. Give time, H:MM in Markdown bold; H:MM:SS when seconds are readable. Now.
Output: **3:00**
